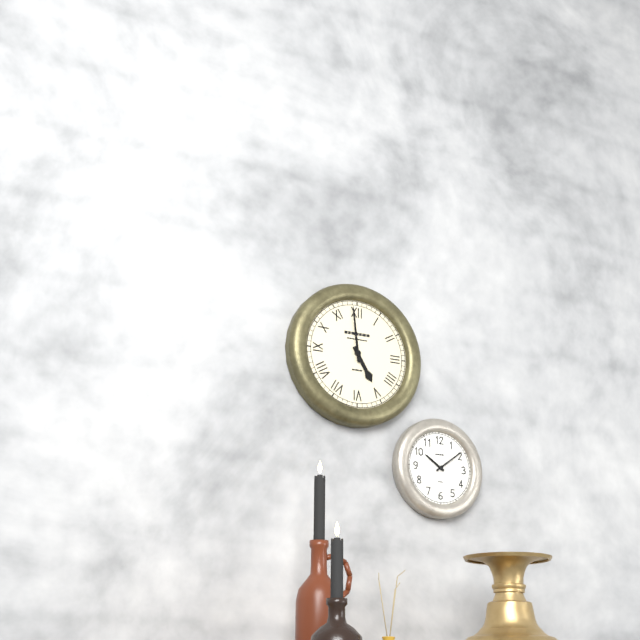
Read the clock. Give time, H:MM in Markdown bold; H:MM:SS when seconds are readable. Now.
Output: **4:59**
